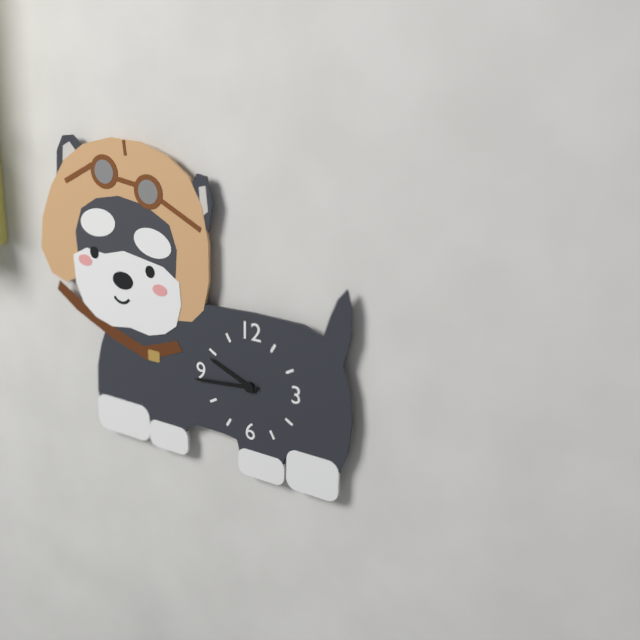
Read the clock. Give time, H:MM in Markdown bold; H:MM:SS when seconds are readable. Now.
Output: **9:44**
